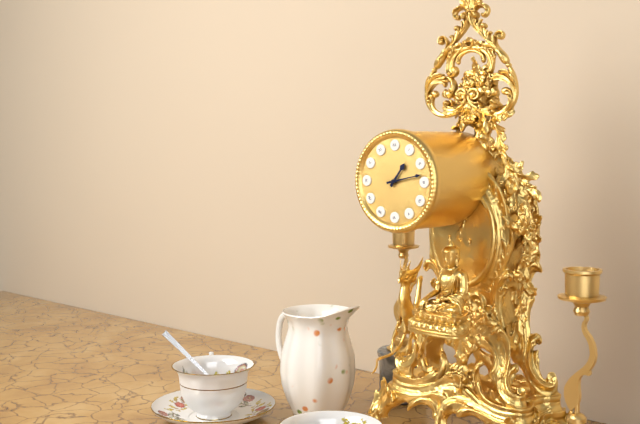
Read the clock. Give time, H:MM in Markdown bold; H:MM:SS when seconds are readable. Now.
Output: **1:13**
